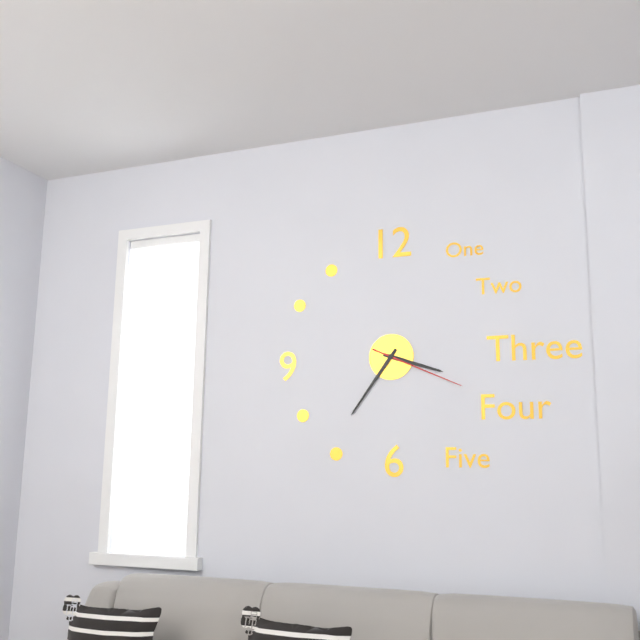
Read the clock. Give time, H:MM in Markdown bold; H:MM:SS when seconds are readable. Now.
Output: **3:36:19**
